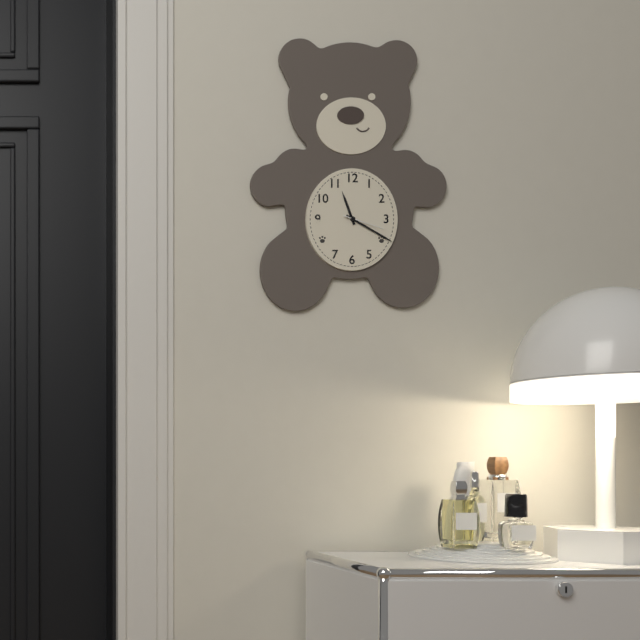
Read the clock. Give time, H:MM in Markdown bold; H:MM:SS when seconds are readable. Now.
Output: **11:20**
